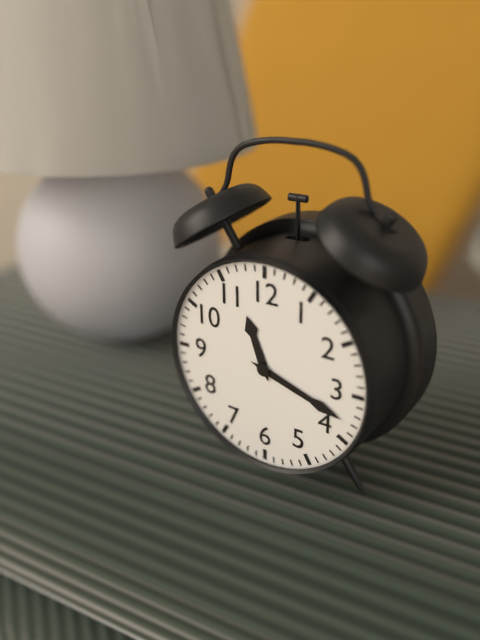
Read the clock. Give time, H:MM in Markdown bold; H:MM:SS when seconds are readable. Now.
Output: **11:18**
